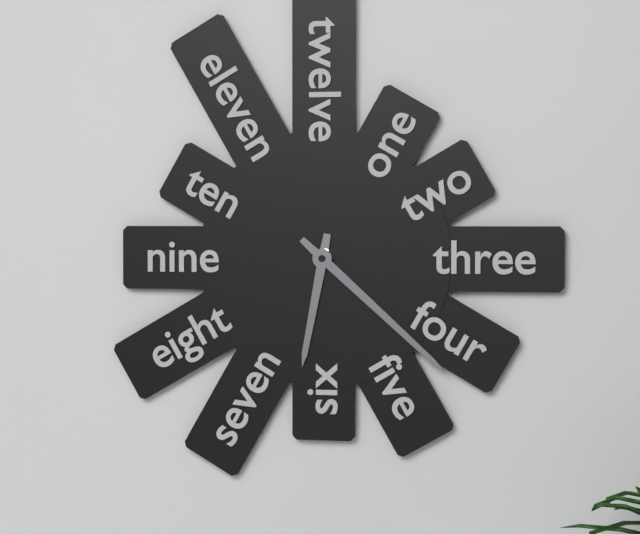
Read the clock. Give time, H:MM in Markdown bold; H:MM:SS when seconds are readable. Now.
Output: **6:22**
